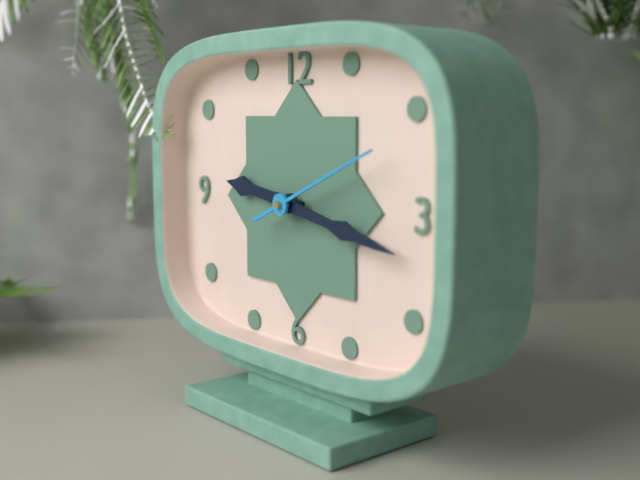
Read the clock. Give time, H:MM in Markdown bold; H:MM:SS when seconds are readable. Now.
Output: **9:17:11**
